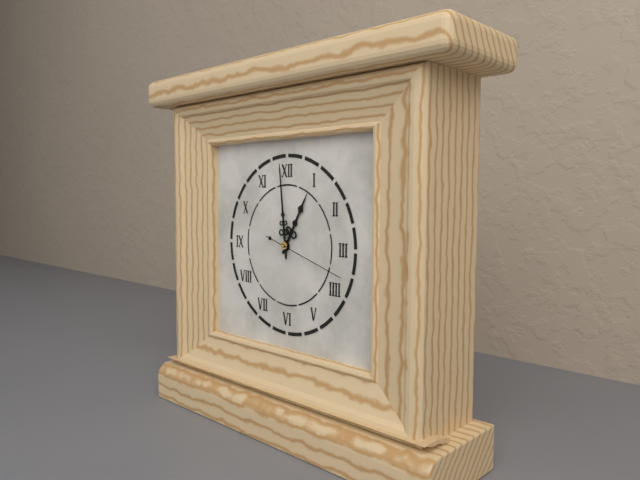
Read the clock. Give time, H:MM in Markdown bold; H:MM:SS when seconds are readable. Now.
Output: **12:59:18**
